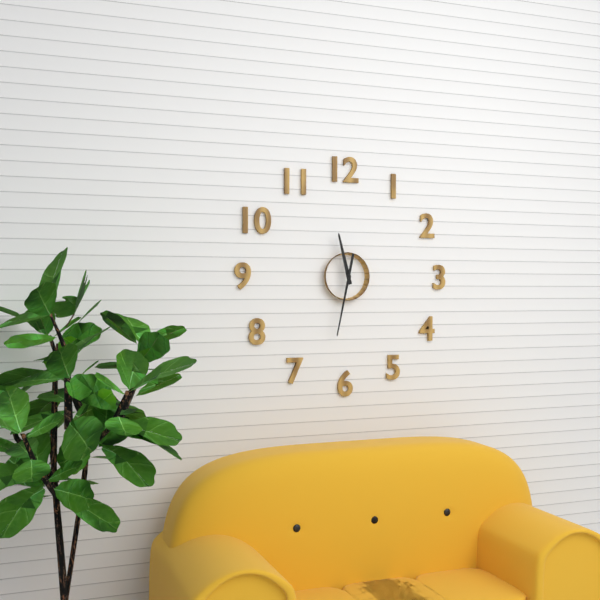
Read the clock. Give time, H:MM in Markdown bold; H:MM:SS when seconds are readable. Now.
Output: **11:32**
